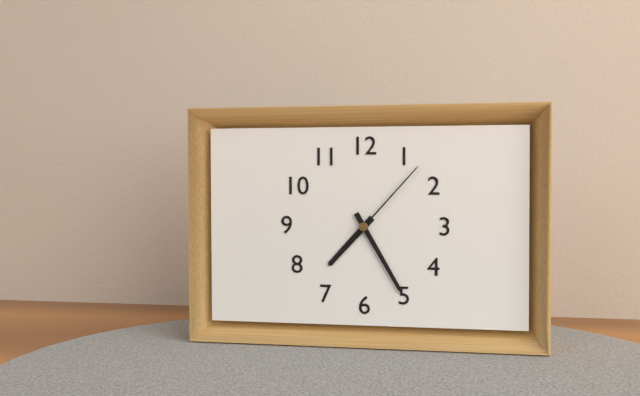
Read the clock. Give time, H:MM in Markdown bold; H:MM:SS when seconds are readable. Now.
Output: **7:25:07**
